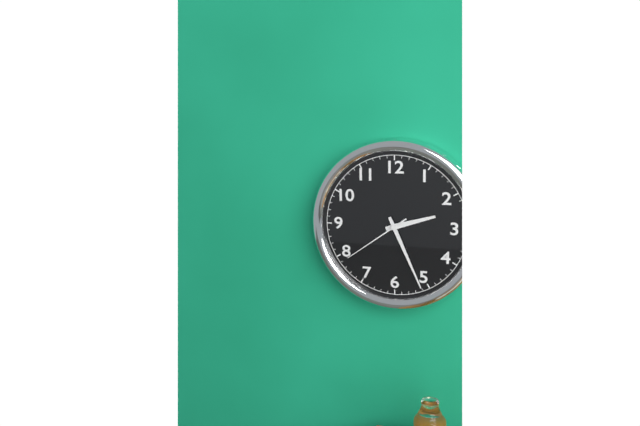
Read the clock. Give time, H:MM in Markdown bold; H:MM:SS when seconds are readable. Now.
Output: **2:26:39**
